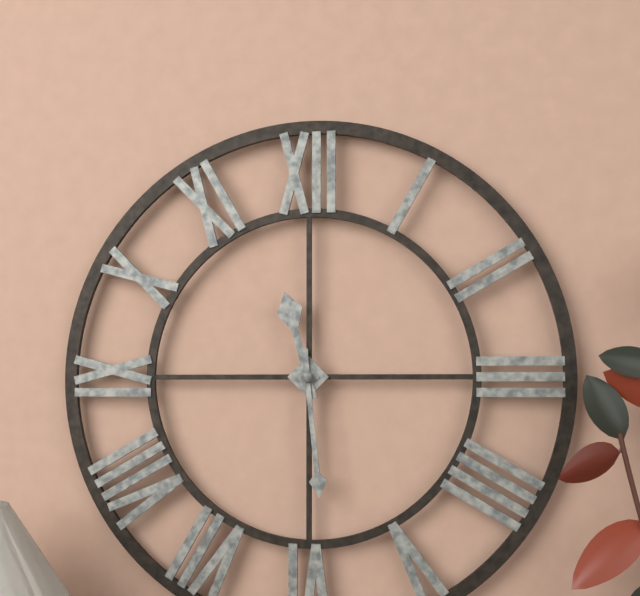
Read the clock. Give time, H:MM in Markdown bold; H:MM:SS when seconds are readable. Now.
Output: **11:29**
